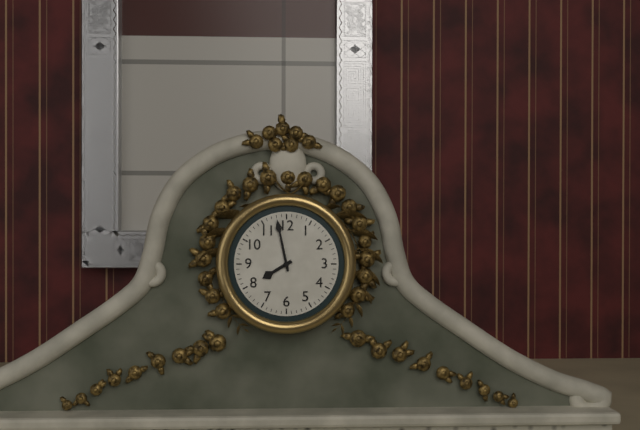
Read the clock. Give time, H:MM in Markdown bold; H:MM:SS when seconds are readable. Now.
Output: **7:58**
